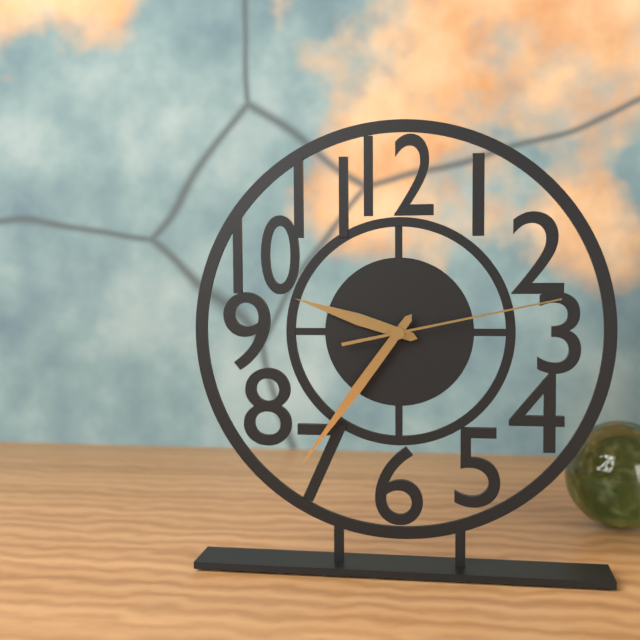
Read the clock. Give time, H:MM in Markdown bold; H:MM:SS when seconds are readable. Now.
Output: **9:36:13**
